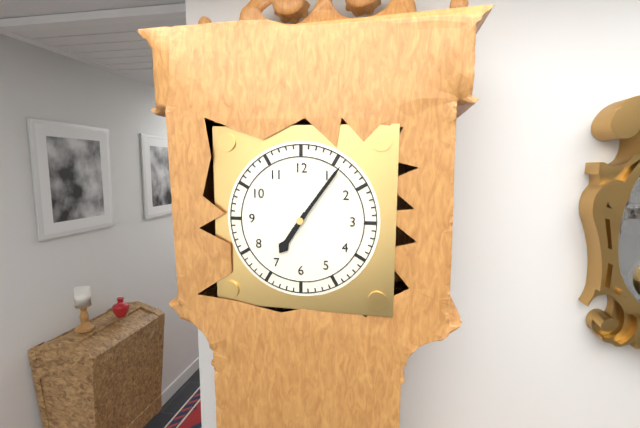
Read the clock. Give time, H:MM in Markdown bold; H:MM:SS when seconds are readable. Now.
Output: **7:06**
